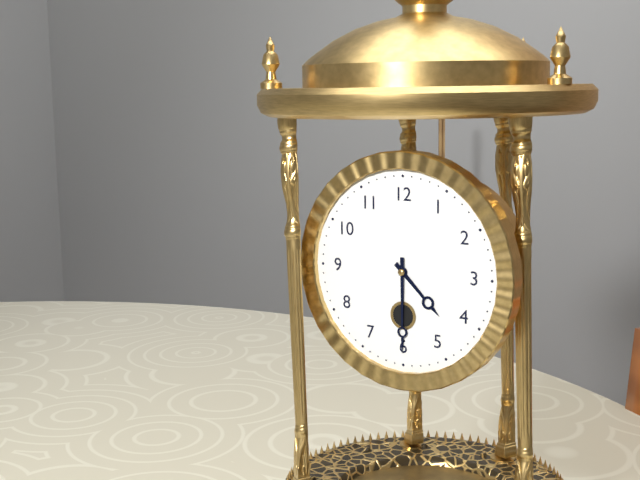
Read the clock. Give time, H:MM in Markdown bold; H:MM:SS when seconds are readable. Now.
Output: **4:30**
